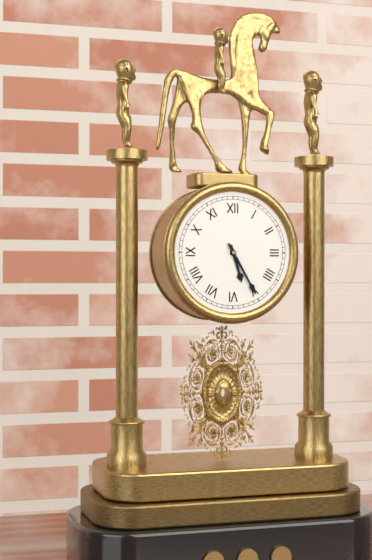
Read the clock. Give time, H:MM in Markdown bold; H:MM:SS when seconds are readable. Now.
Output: **5:25**
